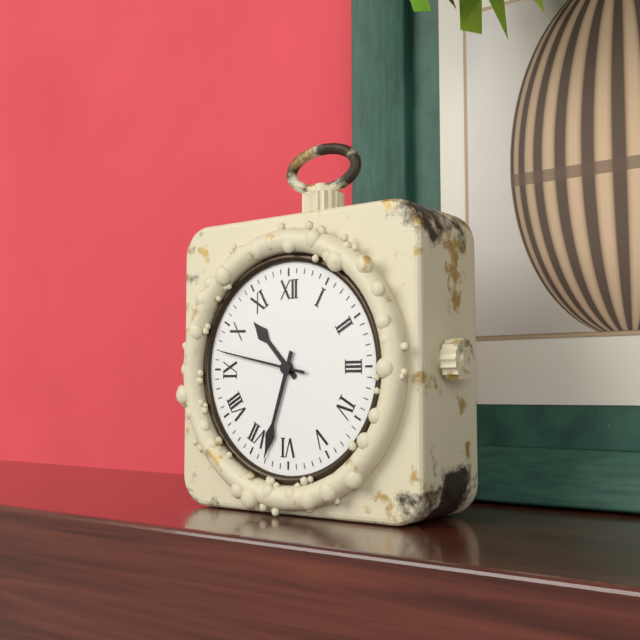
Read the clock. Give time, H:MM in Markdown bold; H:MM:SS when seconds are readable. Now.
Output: **10:33:47**
